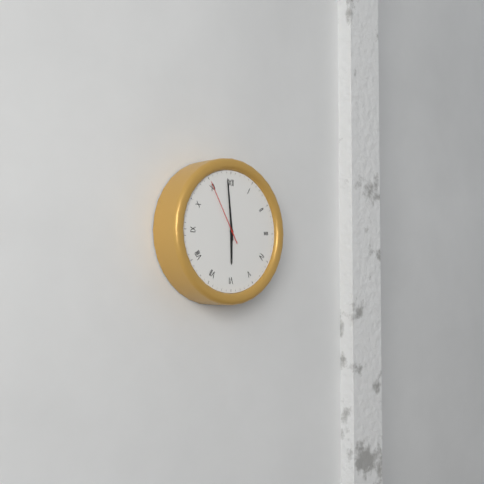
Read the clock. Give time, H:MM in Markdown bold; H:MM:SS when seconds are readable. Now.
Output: **5:59:55**
